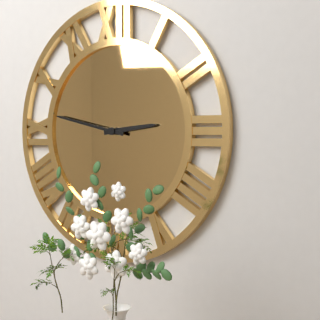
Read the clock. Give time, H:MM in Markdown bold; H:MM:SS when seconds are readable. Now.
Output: **2:47**
